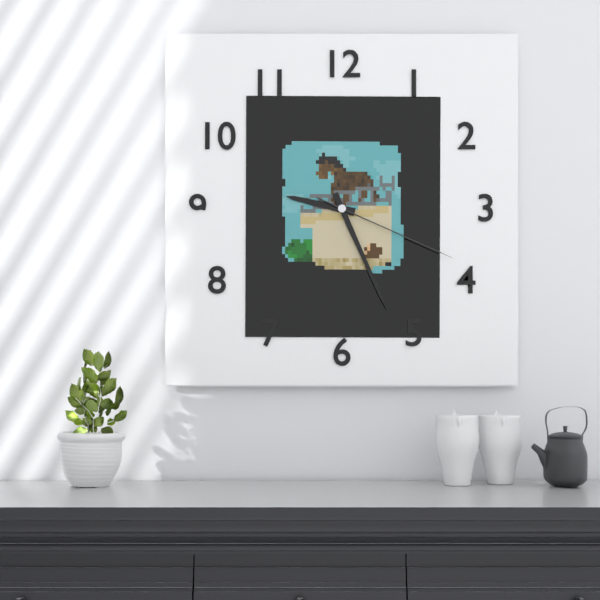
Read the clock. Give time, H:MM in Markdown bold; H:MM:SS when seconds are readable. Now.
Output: **9:26:19**
